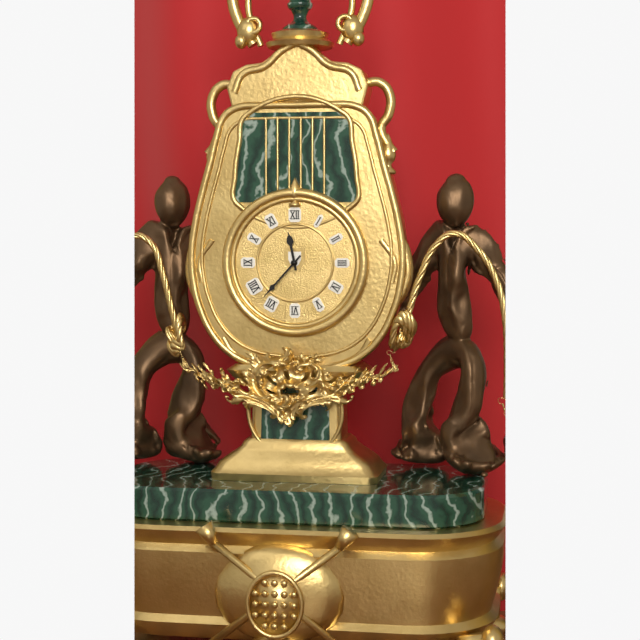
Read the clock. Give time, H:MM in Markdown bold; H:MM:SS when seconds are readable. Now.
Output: **11:37**
